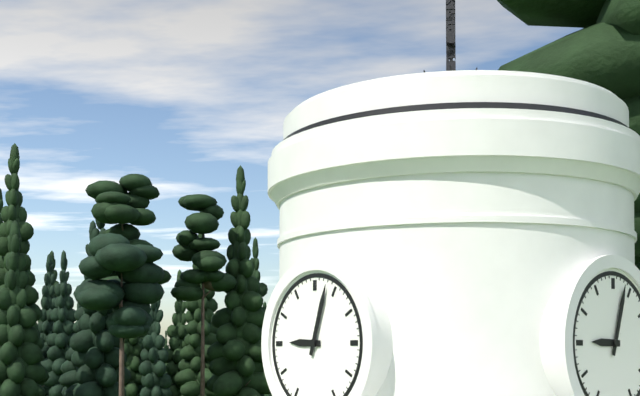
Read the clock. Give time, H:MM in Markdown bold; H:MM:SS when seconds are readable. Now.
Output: **9:03**
